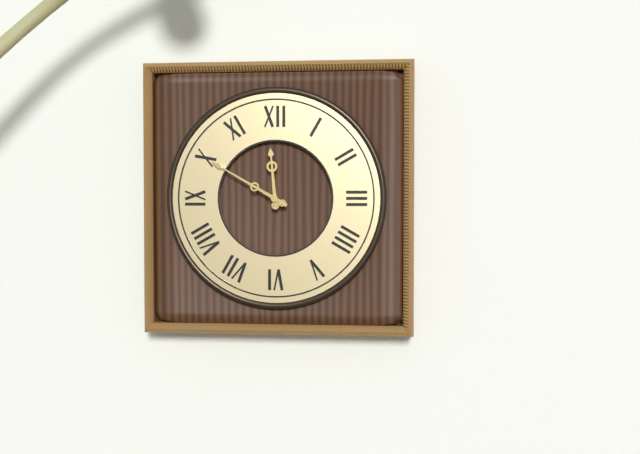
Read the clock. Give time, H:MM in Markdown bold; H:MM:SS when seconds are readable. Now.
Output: **11:50**
